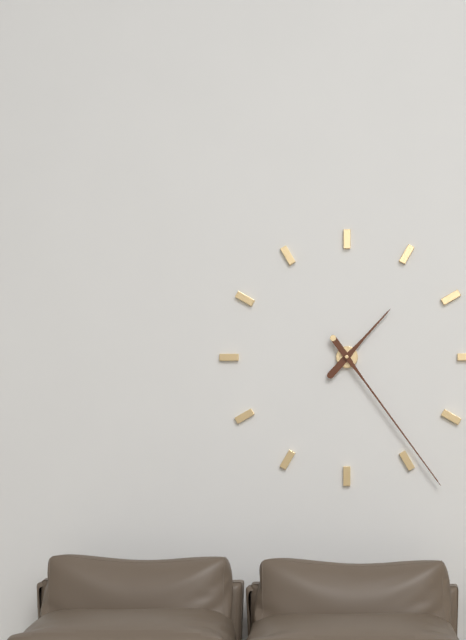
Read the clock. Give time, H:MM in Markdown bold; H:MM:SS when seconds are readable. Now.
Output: **1:24**
